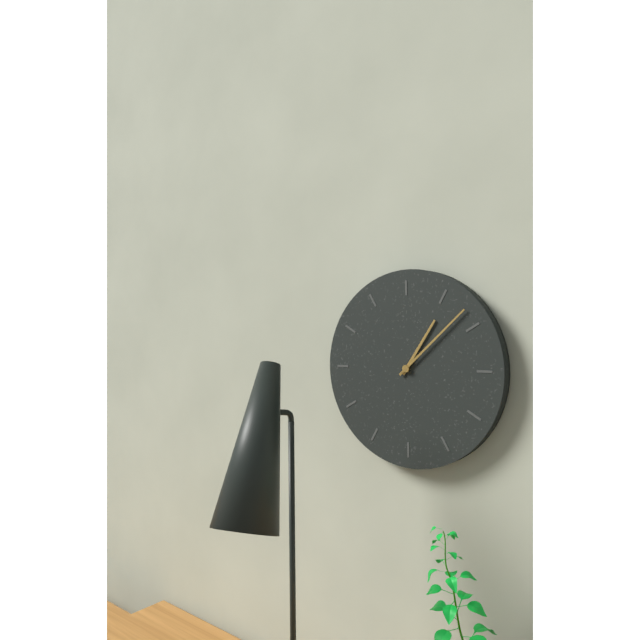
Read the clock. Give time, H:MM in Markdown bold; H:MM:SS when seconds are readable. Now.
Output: **1:08**
